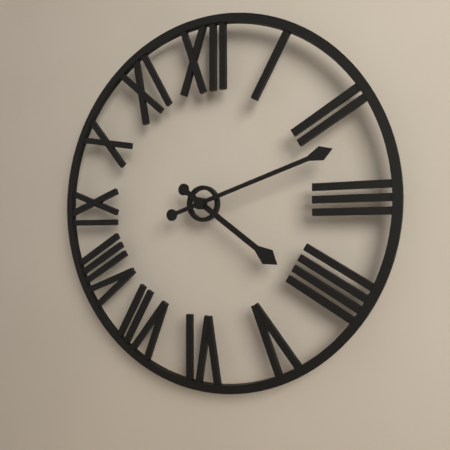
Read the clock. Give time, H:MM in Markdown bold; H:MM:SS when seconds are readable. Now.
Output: **4:12**
